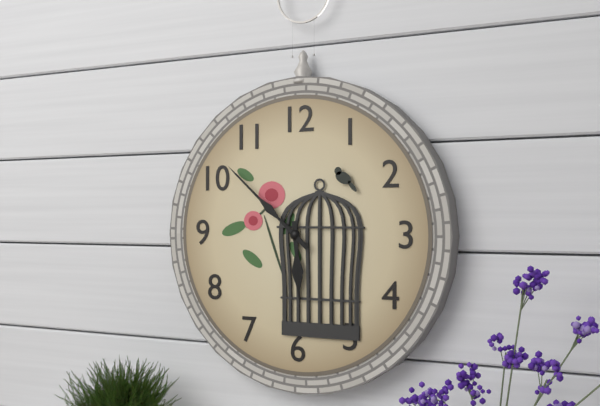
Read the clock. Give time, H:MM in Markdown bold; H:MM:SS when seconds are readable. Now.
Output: **5:52**
